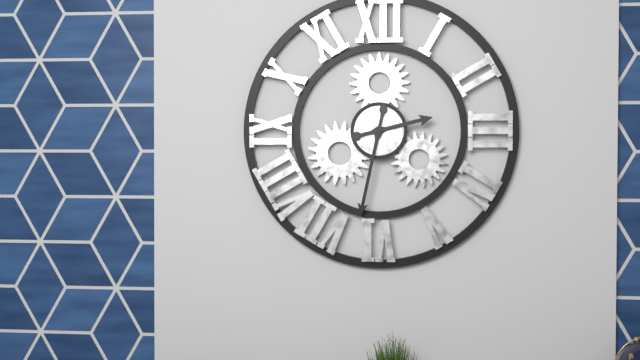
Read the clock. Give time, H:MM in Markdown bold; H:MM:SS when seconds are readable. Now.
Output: **2:32**
